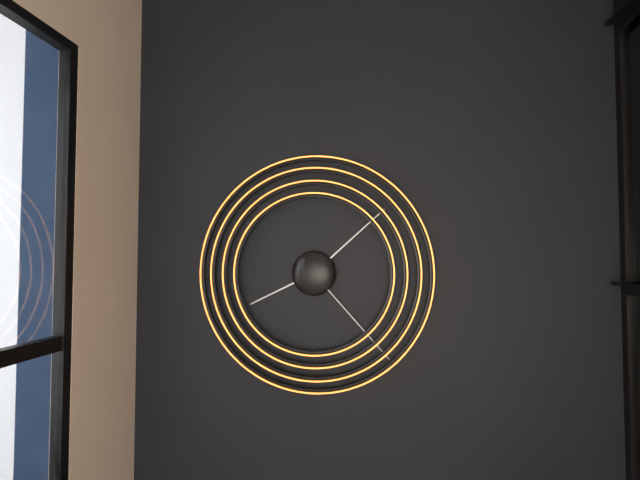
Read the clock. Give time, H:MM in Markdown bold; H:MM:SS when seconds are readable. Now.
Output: **8:08:23**
